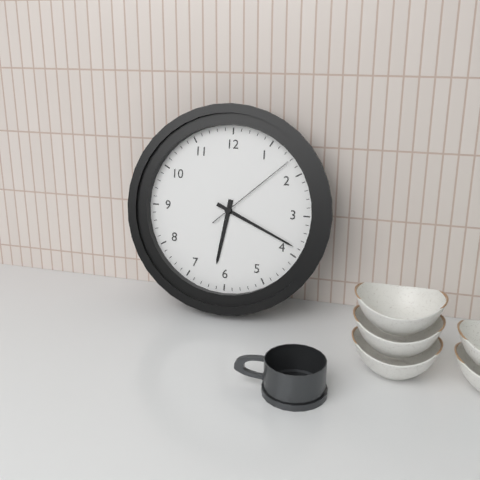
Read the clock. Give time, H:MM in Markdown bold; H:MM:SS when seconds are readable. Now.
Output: **6:19:08**
